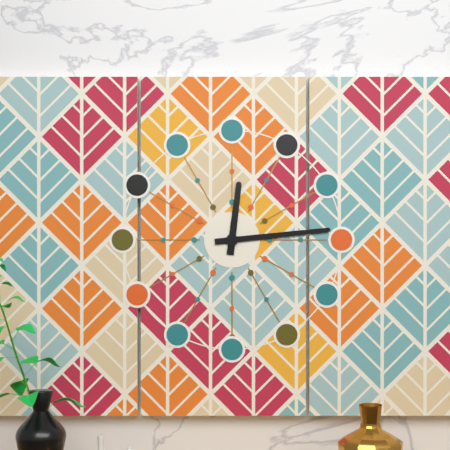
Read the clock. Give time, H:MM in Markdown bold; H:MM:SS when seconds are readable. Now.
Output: **12:14**
